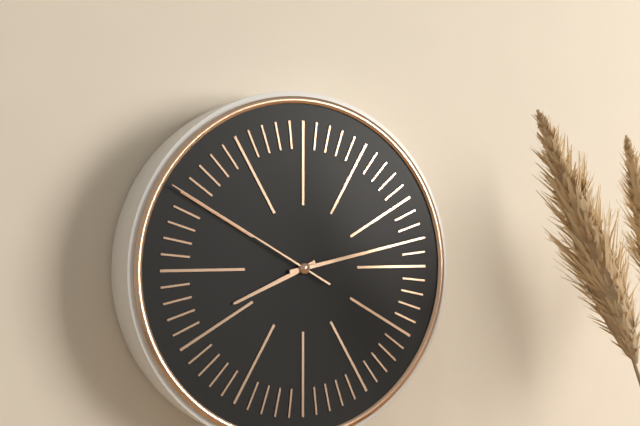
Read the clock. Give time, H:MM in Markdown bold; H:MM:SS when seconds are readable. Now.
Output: **8:13:50**
